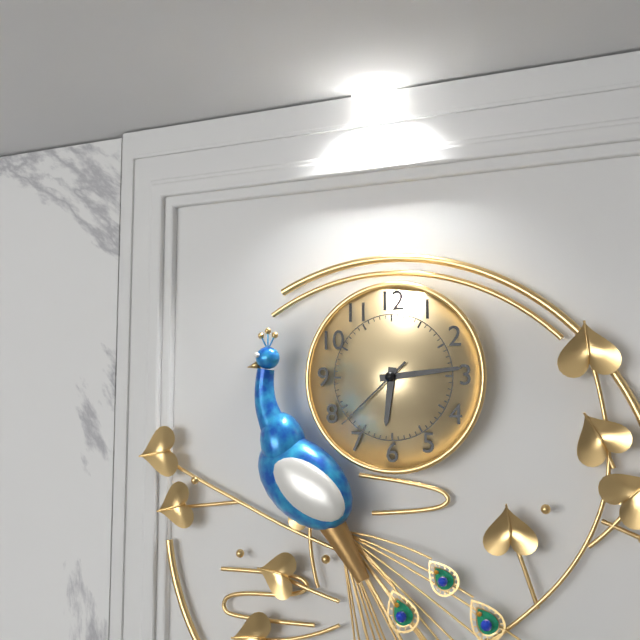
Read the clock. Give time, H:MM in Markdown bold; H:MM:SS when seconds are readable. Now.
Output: **6:14:38**
